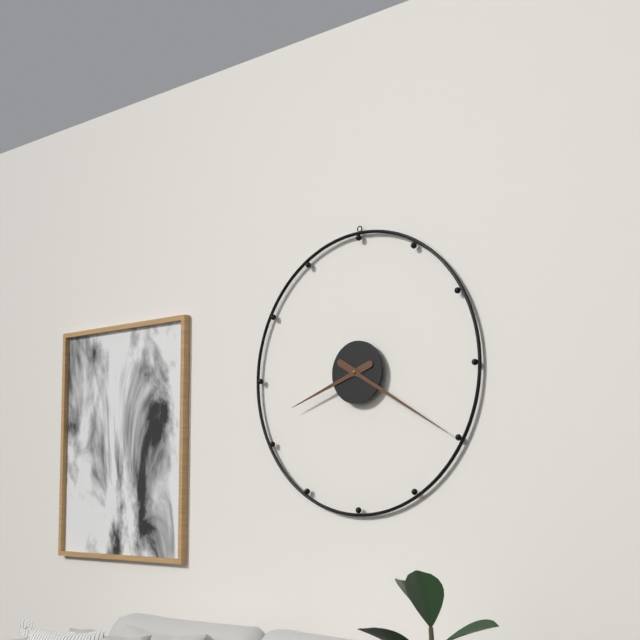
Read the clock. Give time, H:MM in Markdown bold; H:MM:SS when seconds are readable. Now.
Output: **8:20**
